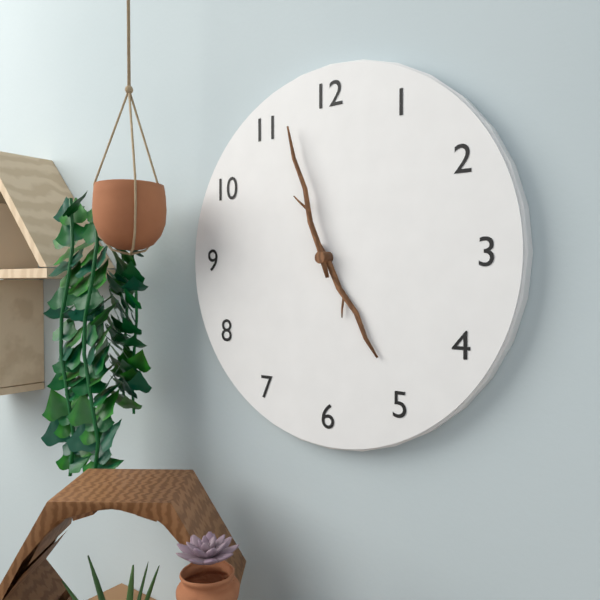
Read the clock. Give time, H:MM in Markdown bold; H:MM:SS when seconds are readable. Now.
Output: **4:57**
